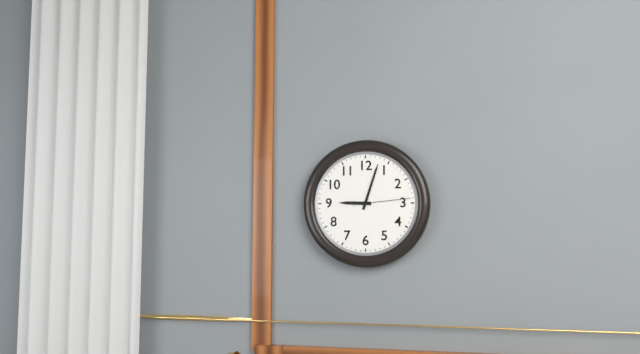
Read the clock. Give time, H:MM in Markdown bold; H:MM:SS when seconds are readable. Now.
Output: **9:03:14**
